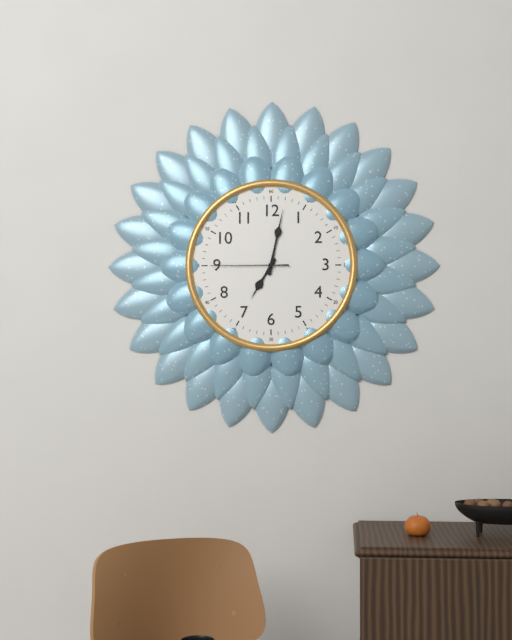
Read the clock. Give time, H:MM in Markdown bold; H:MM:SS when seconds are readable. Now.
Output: **7:02:45**
